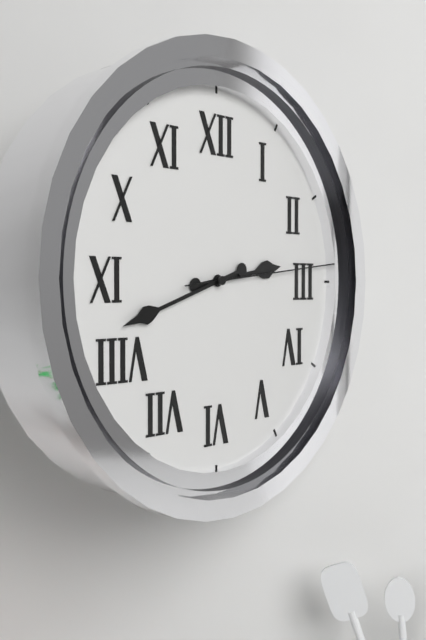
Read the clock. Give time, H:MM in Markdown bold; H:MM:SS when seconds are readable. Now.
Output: **2:42:14**
